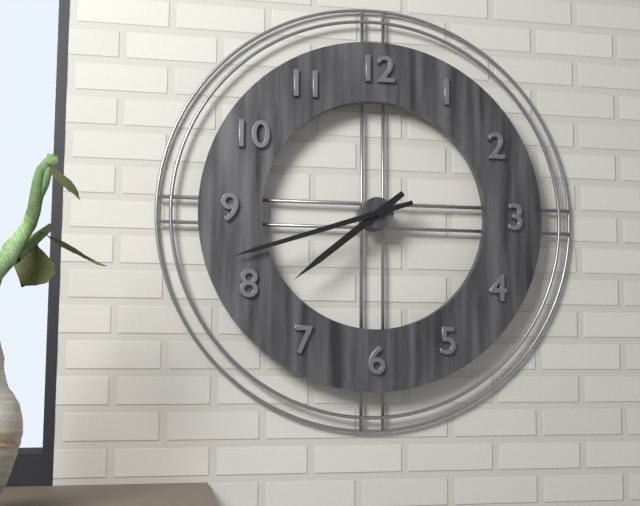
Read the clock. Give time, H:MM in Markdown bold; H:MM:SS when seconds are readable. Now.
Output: **7:42**
